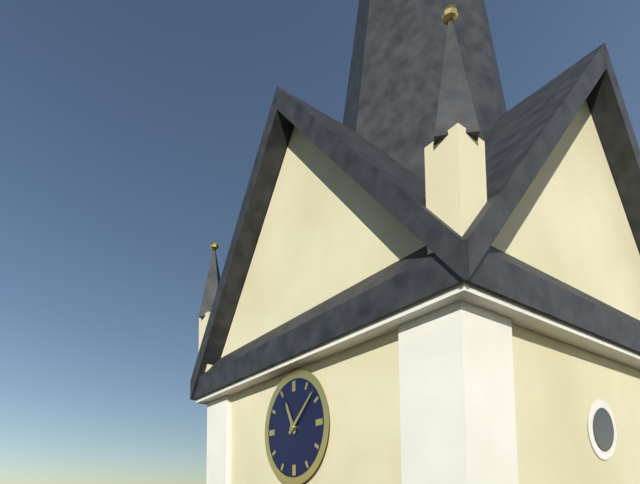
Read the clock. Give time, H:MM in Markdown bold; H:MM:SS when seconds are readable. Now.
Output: **11:08**
